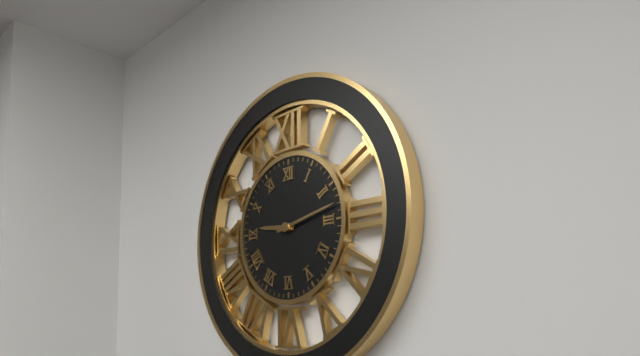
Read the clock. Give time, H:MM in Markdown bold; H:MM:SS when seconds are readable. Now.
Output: **9:13**
